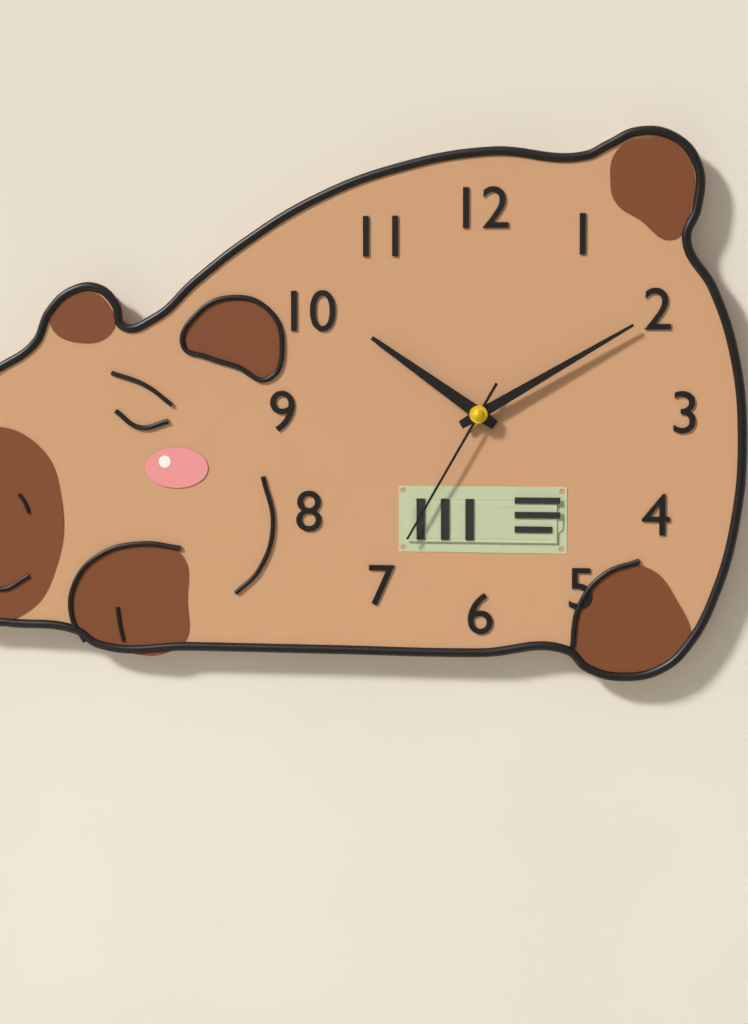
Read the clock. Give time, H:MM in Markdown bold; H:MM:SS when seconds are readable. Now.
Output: **10:10:35**
